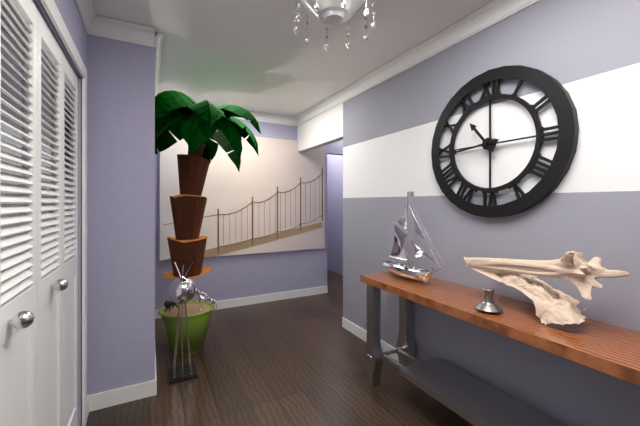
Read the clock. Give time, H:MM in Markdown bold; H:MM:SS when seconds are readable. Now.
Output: **10:44**
